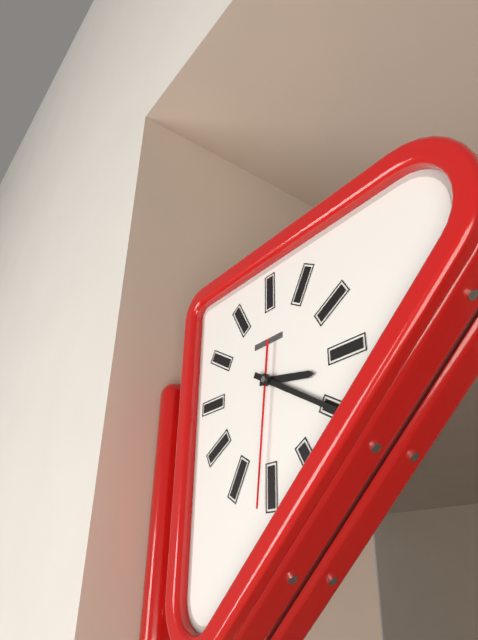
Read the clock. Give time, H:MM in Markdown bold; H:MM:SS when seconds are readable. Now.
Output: **3:20:31**
